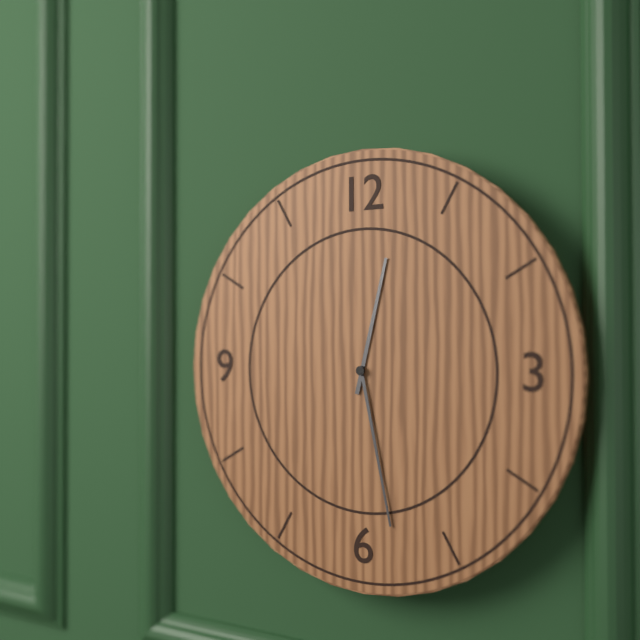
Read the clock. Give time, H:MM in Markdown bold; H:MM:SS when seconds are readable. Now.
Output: **12:28**
